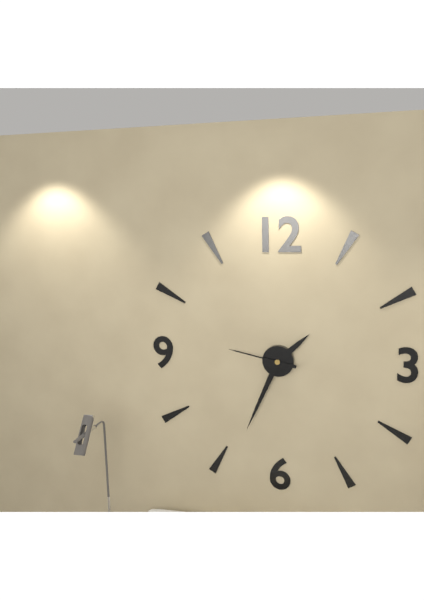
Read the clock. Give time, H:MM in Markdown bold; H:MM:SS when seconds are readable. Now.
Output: **1:34:47**
